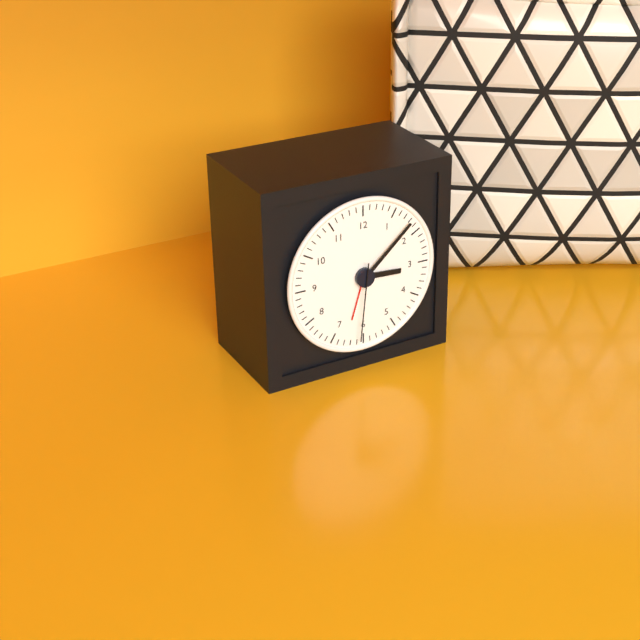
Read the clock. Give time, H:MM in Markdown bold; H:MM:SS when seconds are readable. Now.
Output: **3:08:31**
